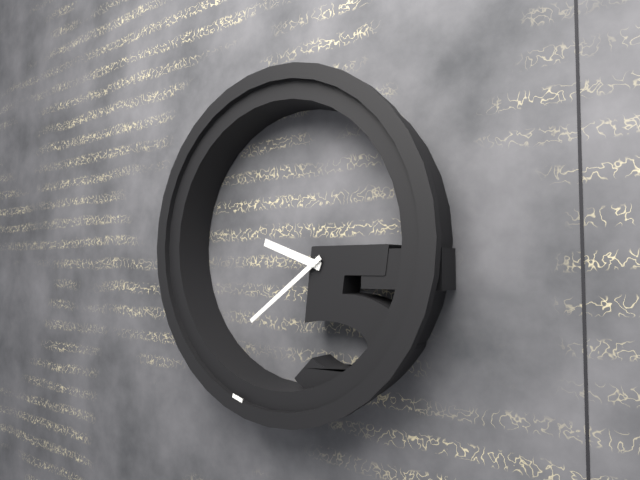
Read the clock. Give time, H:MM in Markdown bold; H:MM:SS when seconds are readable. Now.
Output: **9:39**
